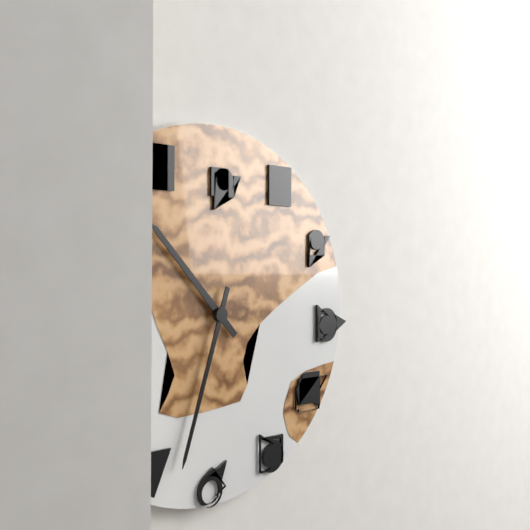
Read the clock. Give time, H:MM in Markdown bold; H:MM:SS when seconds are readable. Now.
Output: **10:33**
